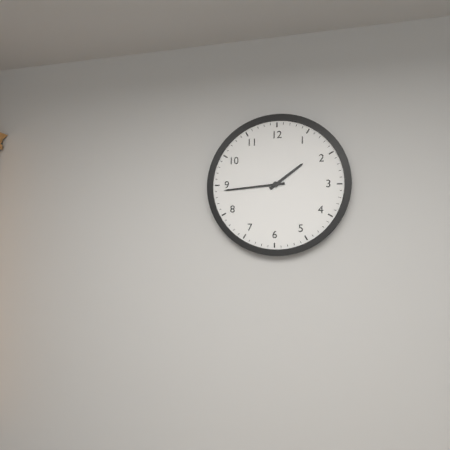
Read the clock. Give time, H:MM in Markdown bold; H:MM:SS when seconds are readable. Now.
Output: **1:44**
